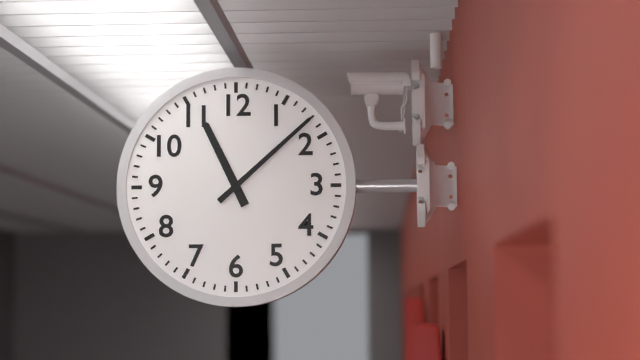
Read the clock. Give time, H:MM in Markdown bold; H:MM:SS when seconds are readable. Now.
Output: **11:08**
